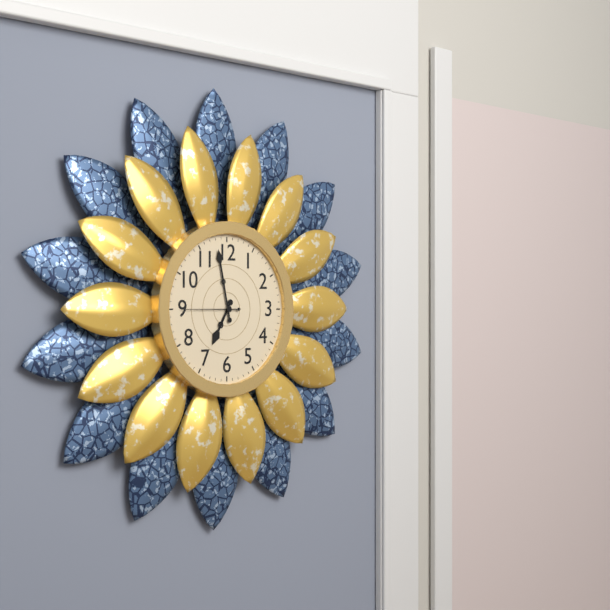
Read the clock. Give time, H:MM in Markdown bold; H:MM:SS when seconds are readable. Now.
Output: **6:58:45**
